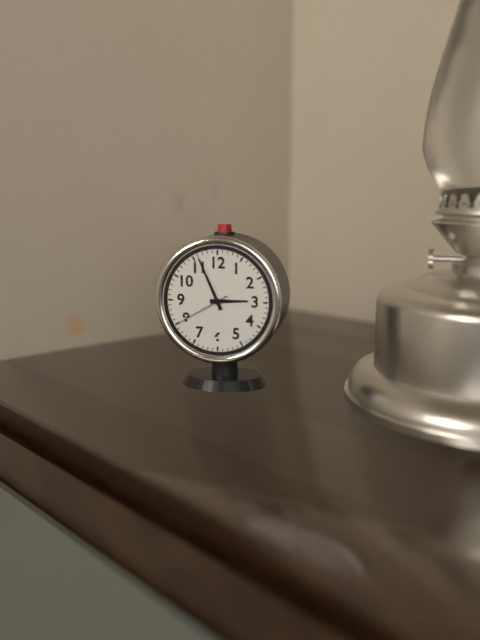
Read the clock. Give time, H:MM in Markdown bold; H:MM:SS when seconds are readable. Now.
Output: **2:56:40**
